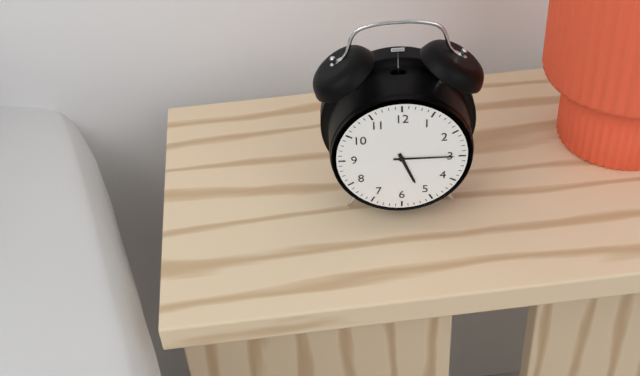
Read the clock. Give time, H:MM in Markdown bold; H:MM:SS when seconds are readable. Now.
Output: **5:15**
